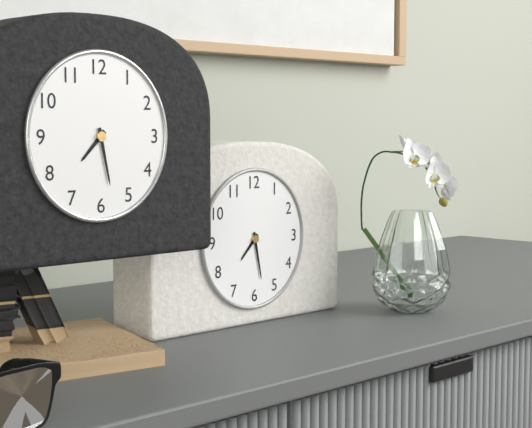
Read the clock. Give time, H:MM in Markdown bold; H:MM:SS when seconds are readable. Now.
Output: **7:28**
